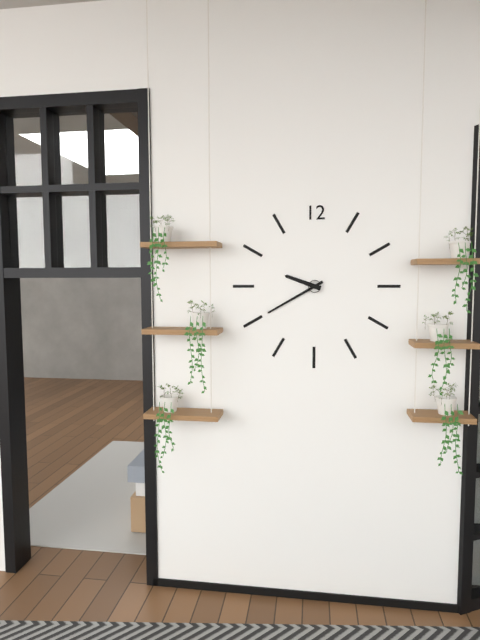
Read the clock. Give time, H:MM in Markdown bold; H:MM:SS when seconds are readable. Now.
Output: **9:40**
